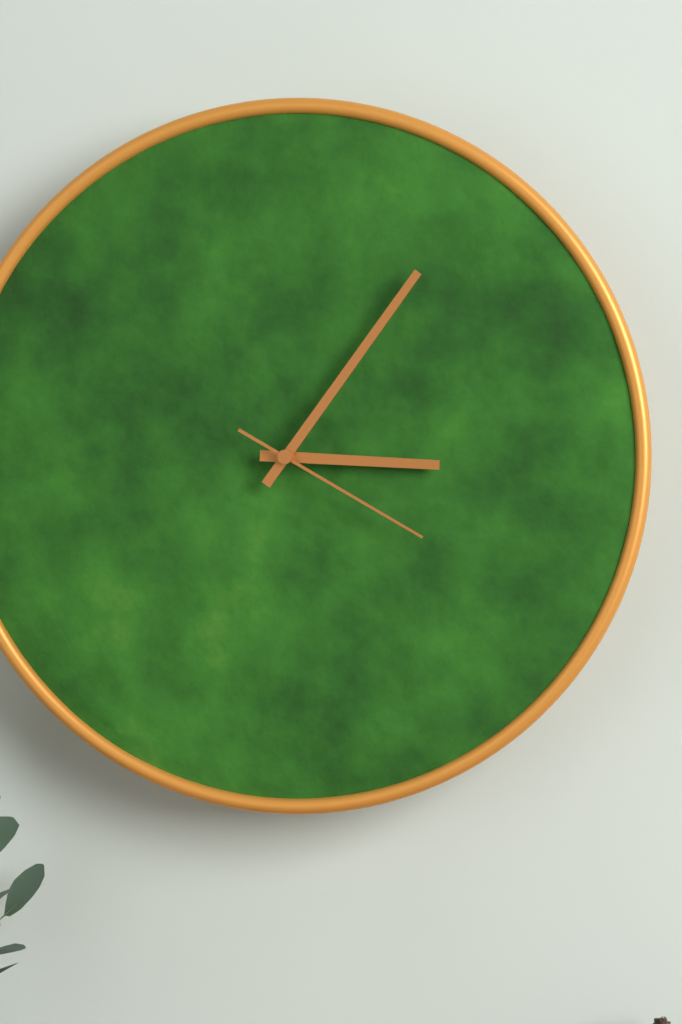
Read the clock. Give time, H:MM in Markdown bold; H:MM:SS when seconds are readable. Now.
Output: **3:06:20**
